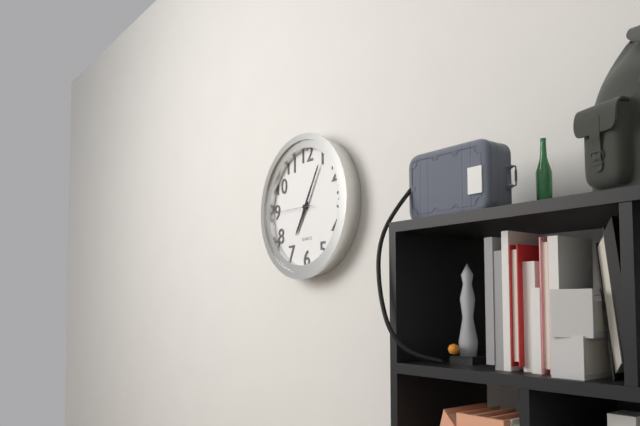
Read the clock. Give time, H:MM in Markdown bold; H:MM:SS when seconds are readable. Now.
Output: **7:05**
